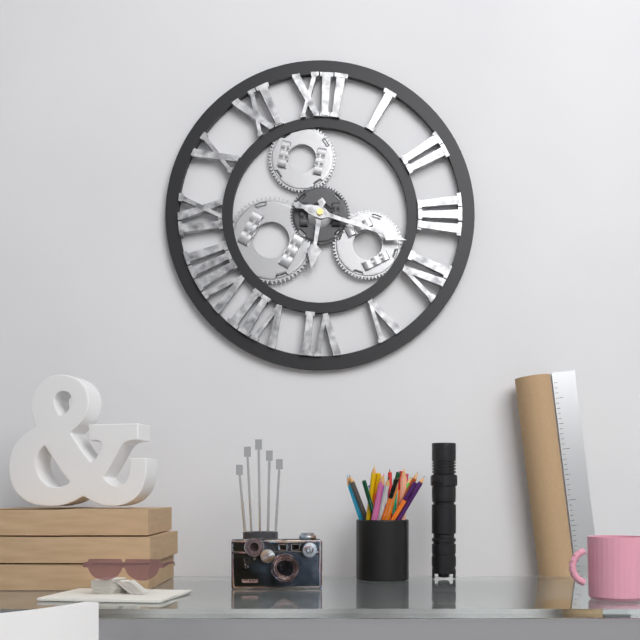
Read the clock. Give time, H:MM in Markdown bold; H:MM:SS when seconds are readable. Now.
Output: **6:18**
